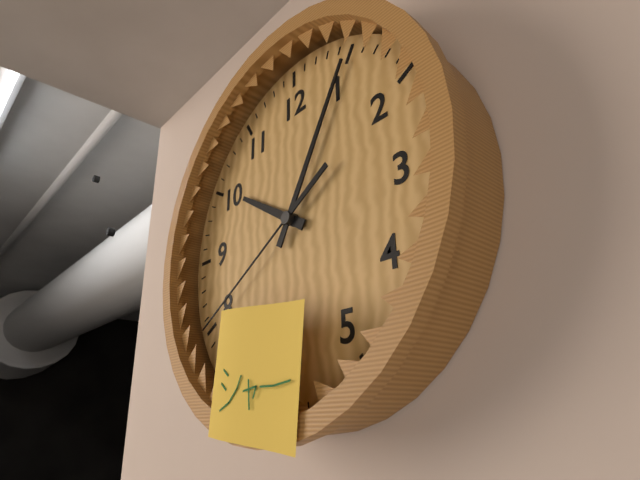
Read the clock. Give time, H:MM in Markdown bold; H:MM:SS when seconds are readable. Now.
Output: **10:05:40**
